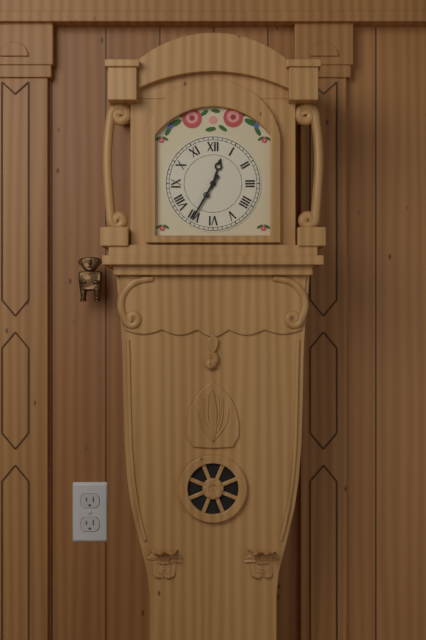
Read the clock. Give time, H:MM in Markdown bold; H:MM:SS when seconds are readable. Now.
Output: **12:35**
